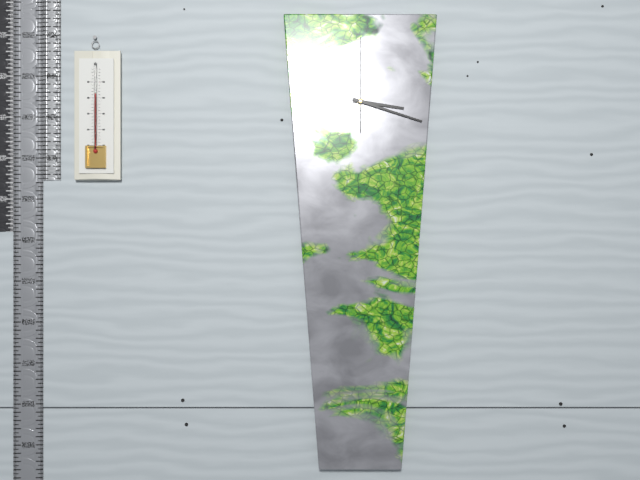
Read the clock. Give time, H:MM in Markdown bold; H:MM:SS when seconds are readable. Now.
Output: **3:18:00**
